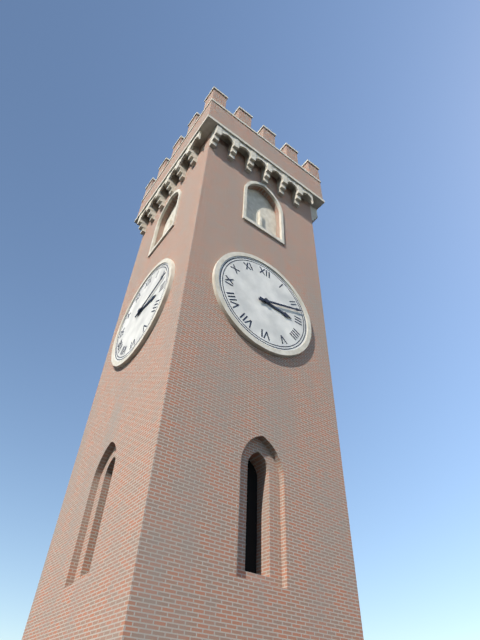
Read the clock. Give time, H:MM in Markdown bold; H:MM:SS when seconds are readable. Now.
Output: **3:12**
